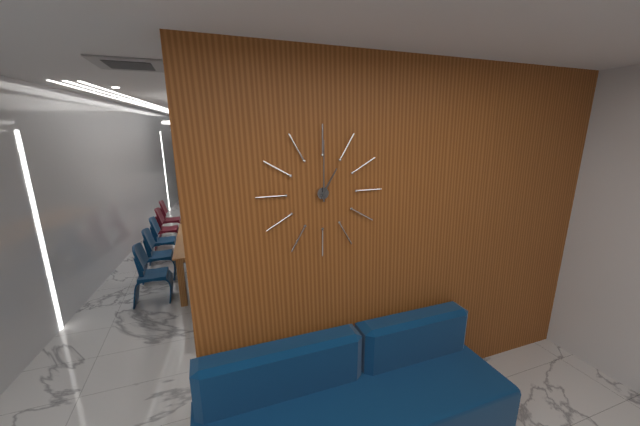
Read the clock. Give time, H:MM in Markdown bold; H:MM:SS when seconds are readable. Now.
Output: **1:00**
